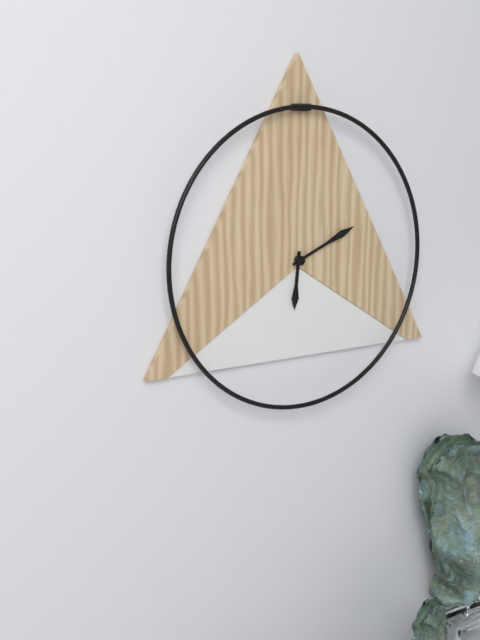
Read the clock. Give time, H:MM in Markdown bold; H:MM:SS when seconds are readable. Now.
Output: **6:11**
